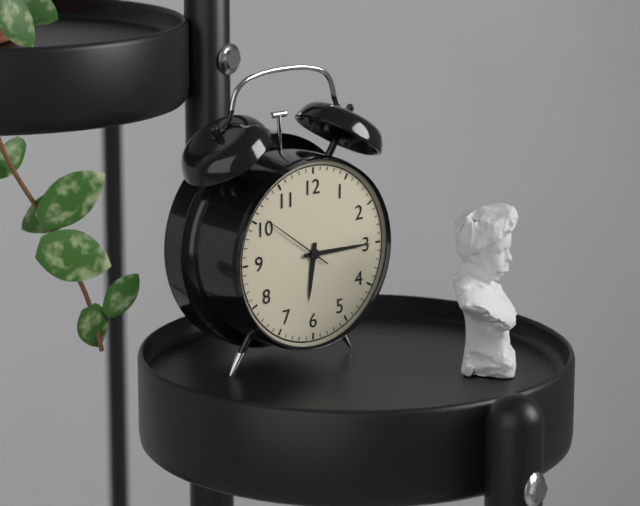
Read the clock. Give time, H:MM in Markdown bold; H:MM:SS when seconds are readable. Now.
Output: **6:15:51**
